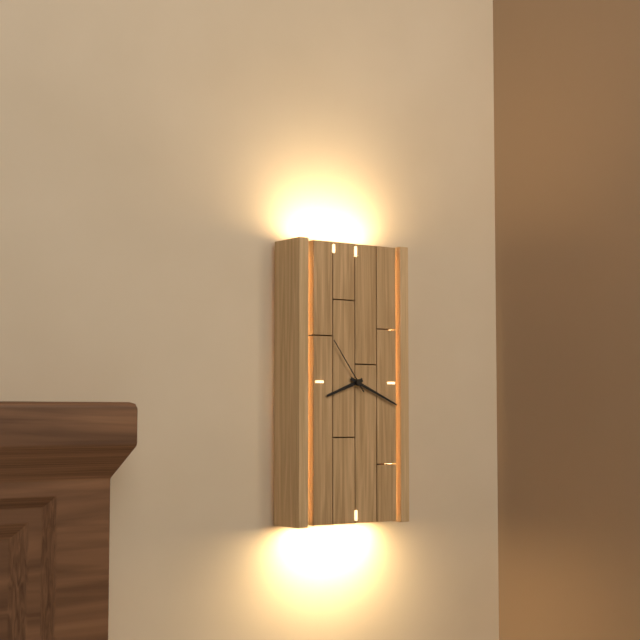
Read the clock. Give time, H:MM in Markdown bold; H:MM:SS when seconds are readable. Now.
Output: **8:19:54**
